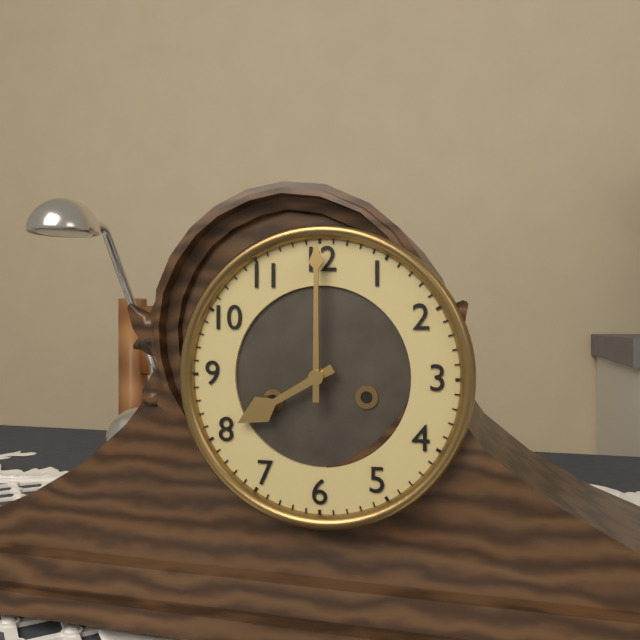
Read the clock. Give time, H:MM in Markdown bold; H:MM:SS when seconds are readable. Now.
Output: **8:00**
